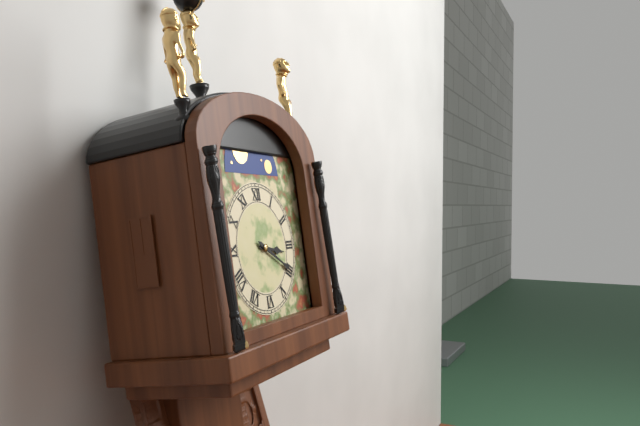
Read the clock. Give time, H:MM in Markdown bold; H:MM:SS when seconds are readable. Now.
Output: **3:20**
